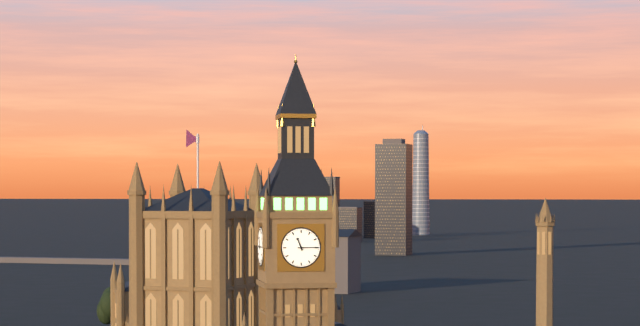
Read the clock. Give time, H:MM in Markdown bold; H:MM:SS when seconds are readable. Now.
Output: **11:15**
